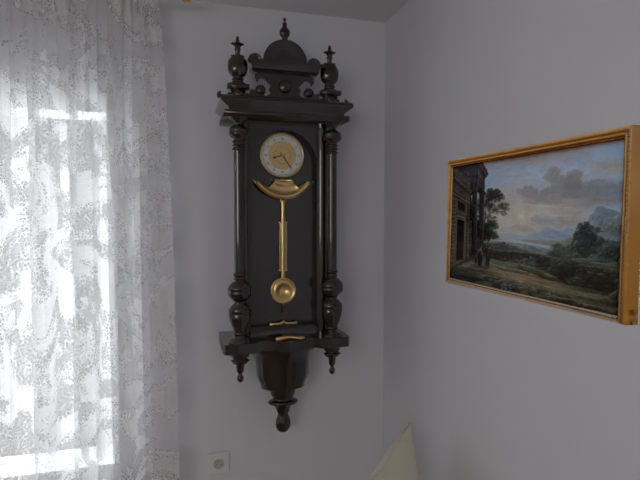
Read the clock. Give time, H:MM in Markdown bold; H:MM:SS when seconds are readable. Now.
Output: **8:24**
